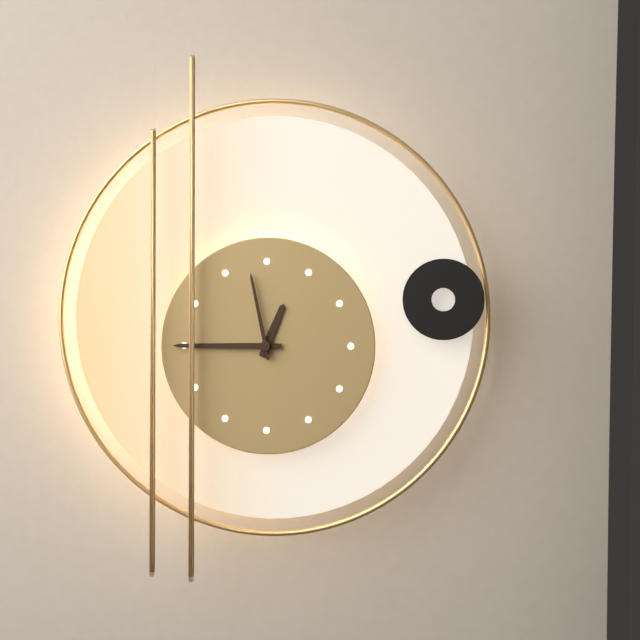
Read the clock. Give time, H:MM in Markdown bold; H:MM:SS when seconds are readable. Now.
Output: **12:45:58**
